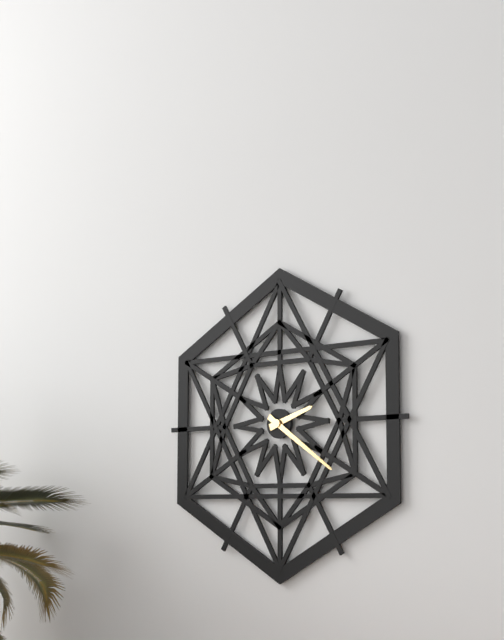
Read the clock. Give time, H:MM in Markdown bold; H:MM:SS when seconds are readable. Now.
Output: **2:21**
